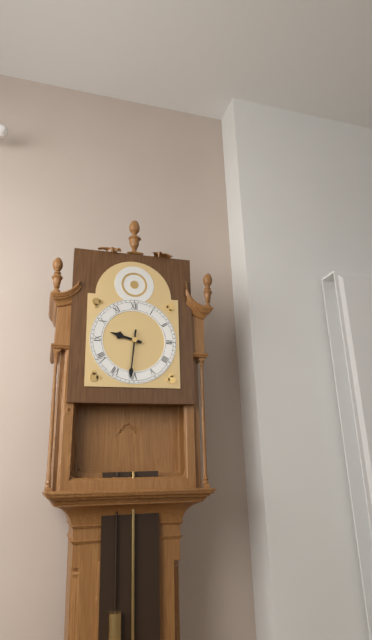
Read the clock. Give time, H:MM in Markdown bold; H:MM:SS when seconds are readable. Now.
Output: **9:31**
